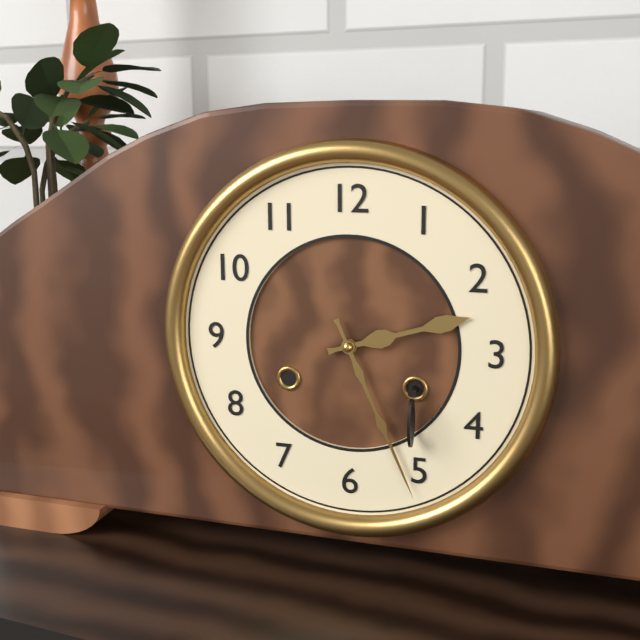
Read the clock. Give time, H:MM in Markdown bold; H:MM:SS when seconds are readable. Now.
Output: **2:26**
